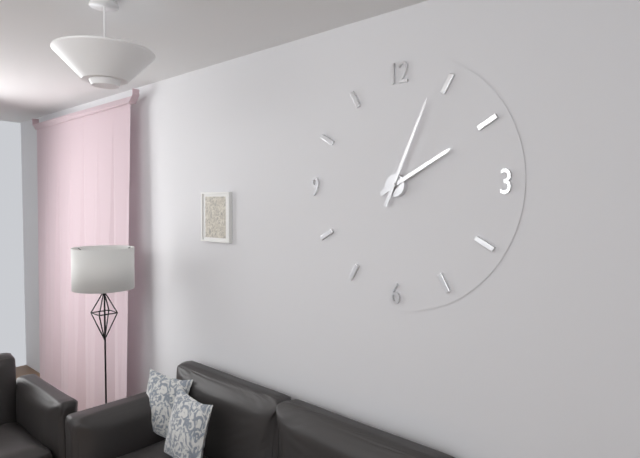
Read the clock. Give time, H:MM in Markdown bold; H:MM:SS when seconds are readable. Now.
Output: **2:04**
